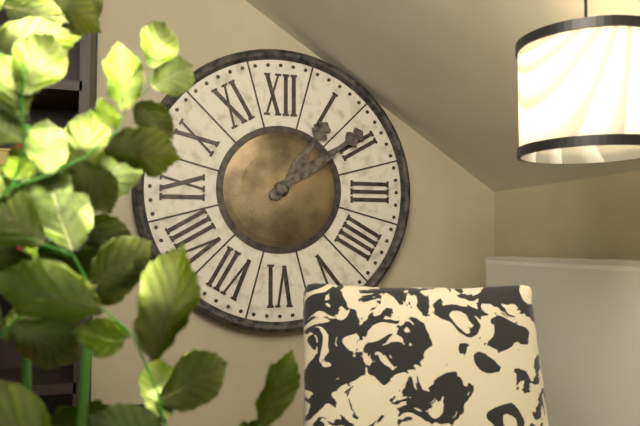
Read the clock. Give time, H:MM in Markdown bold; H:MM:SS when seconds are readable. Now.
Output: **1:09**
